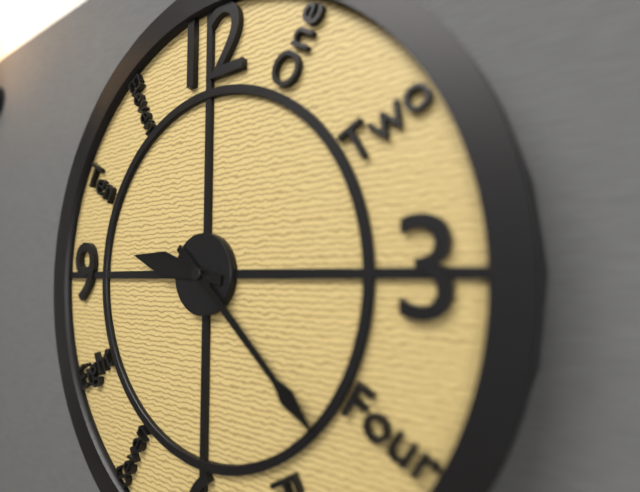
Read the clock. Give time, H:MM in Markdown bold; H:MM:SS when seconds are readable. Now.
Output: **9:22**
